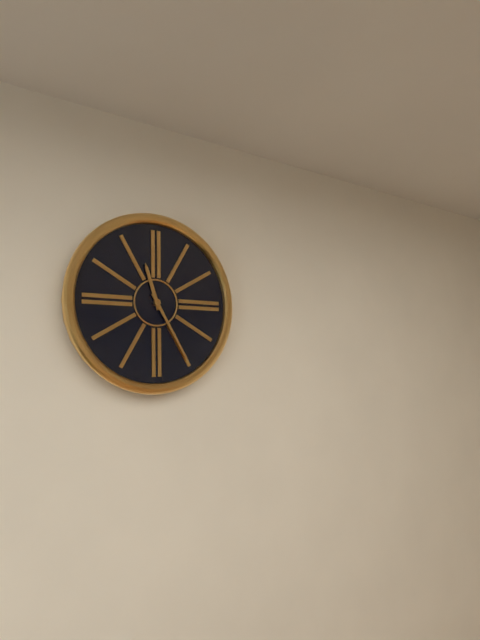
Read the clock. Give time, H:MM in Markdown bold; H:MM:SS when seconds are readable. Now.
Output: **11:25**
